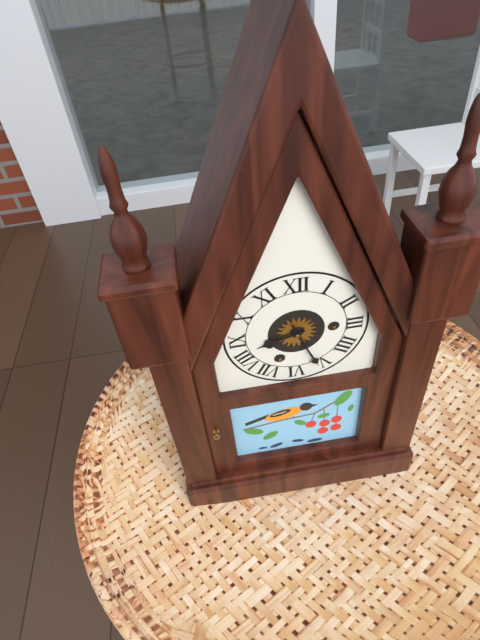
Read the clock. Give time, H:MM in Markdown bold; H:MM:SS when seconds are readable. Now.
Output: **8:26**
